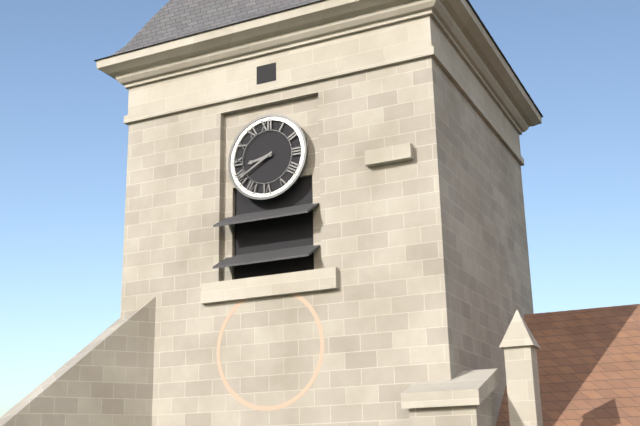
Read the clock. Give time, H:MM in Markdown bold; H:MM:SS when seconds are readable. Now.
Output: **8:40**
